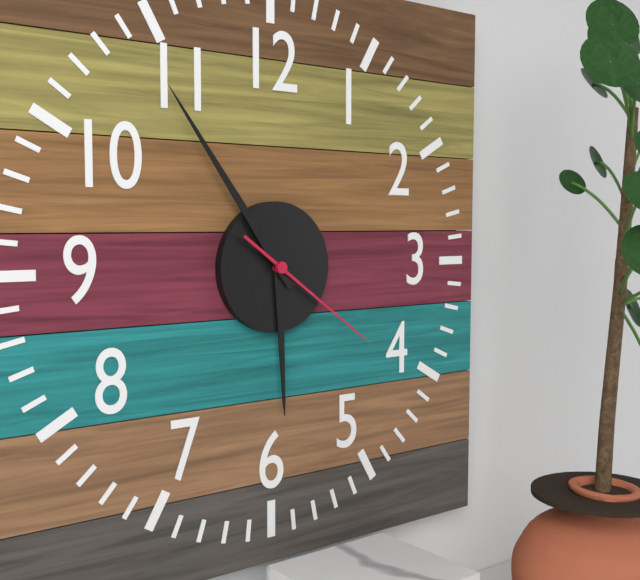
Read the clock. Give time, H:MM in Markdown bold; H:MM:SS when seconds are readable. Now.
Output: **5:54:21**
